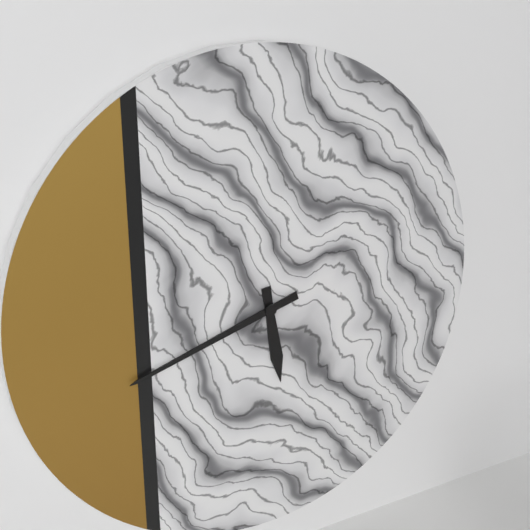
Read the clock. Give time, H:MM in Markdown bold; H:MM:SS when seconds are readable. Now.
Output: **5:42**
